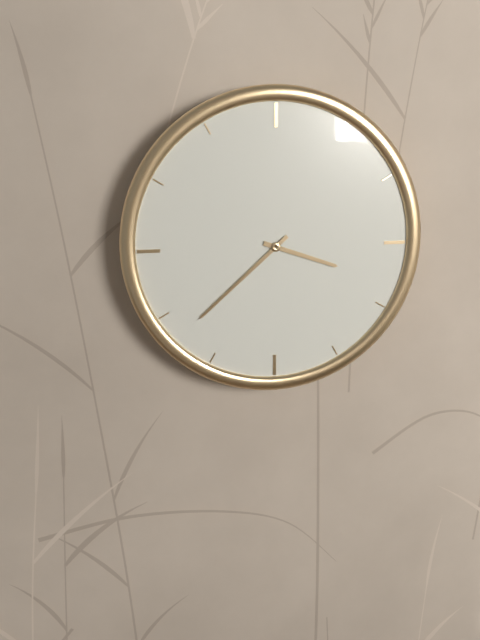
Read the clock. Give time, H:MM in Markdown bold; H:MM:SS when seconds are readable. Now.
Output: **3:38**
